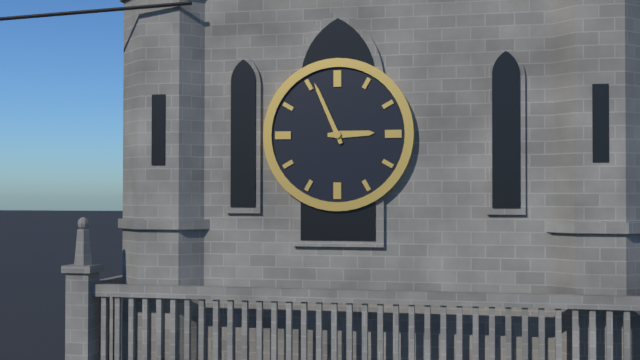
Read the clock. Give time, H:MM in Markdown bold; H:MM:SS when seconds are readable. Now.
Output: **2:56**
